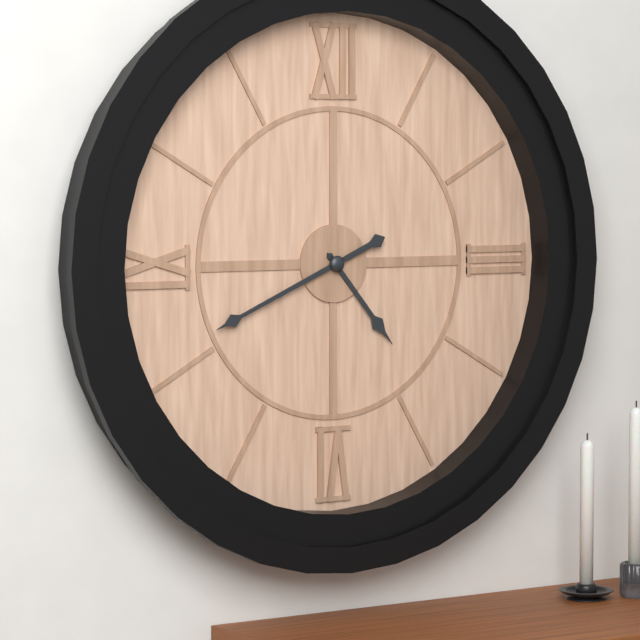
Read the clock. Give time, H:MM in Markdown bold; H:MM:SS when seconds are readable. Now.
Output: **4:41**
